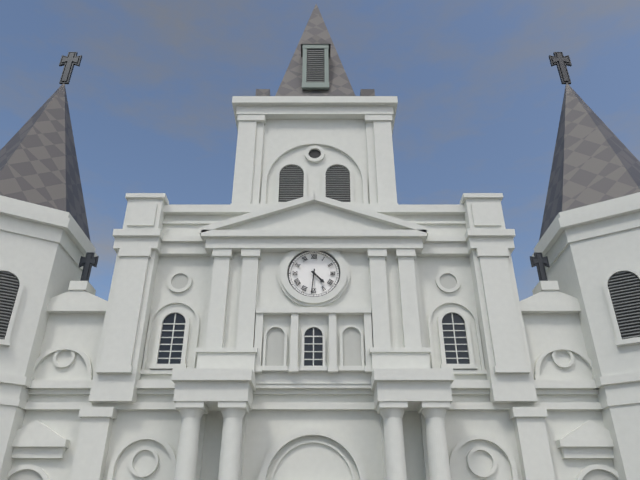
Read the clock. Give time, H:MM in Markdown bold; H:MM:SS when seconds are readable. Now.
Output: **4:31**
